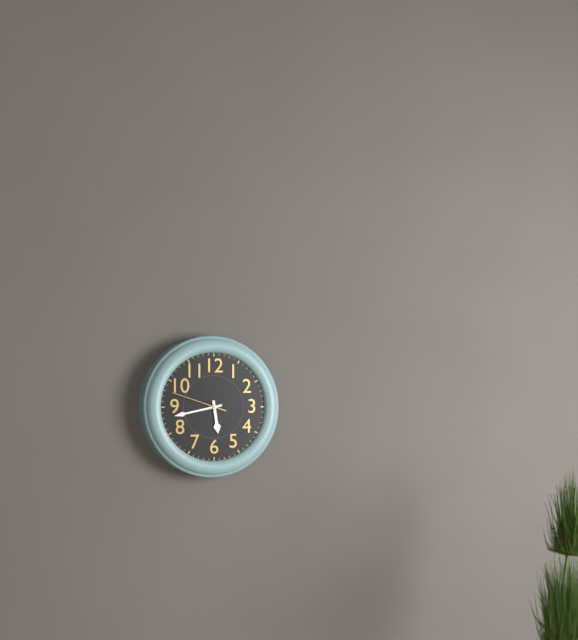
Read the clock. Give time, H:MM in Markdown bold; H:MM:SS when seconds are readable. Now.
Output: **5:43:48**
